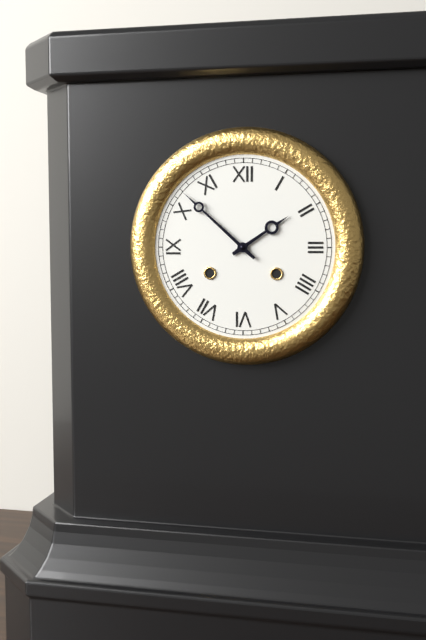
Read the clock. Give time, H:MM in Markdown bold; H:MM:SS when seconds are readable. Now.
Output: **1:52**
